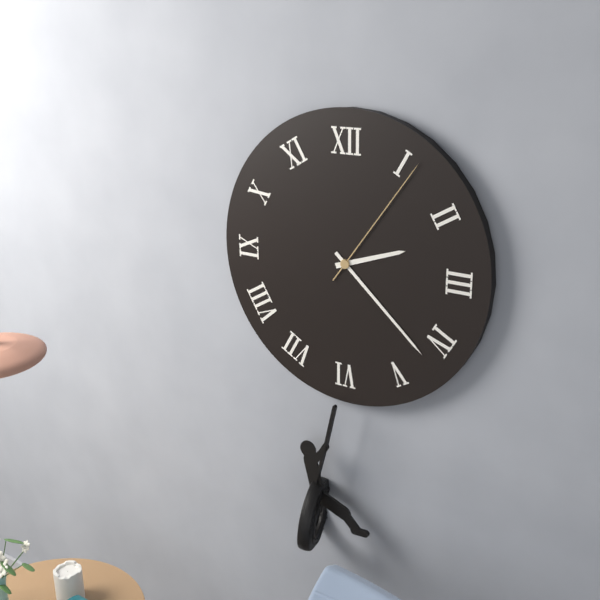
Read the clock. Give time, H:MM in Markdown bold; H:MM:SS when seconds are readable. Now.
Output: **2:22:06**
